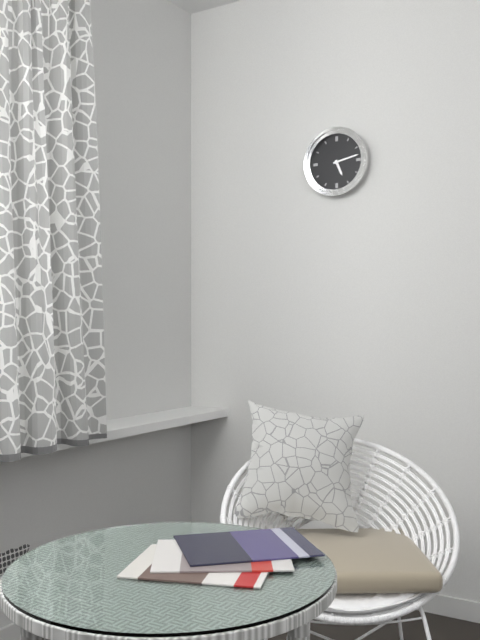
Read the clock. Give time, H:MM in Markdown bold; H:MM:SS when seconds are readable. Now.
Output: **5:13**
